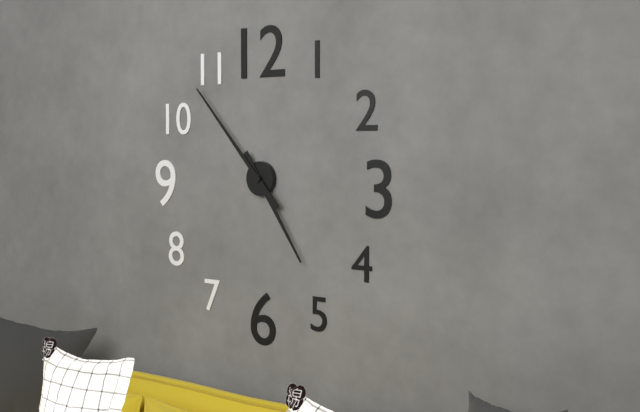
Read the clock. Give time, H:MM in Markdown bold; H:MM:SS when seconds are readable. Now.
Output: **4:53**
